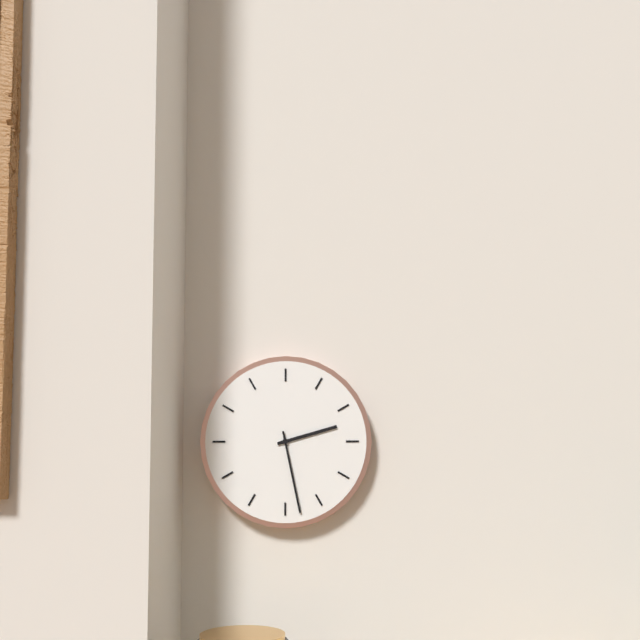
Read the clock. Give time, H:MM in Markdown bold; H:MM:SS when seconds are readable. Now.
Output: **2:28**
